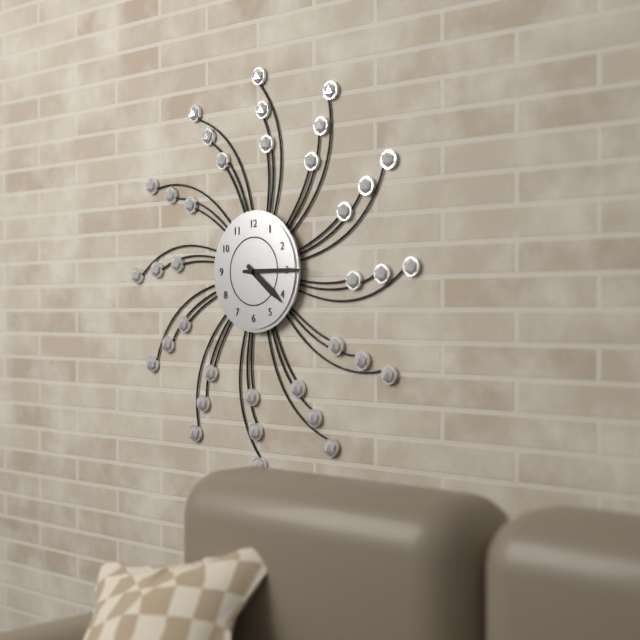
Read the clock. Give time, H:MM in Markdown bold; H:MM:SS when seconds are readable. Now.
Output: **4:15**
